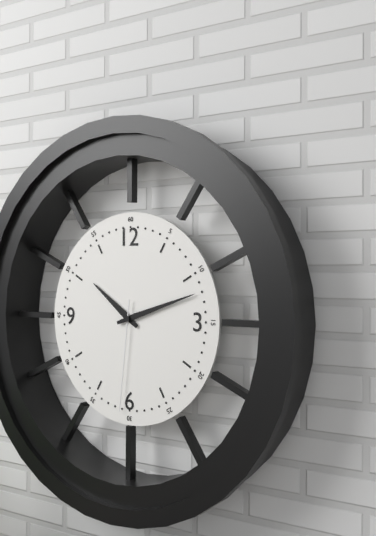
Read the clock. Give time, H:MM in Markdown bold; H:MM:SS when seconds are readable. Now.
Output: **10:12:31**
